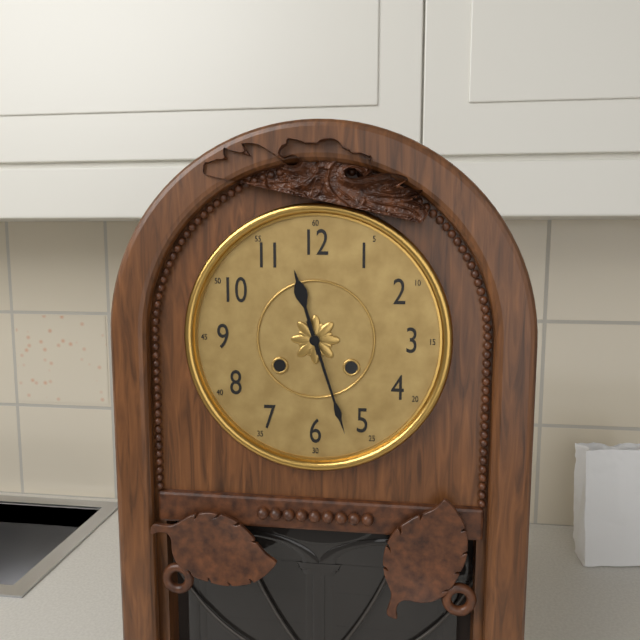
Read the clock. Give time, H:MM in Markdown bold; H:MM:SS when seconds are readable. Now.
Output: **11:27**
